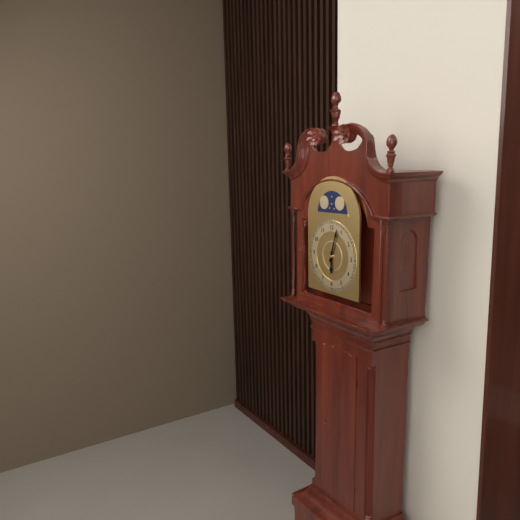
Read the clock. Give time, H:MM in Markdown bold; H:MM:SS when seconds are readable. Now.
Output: **6:03**
